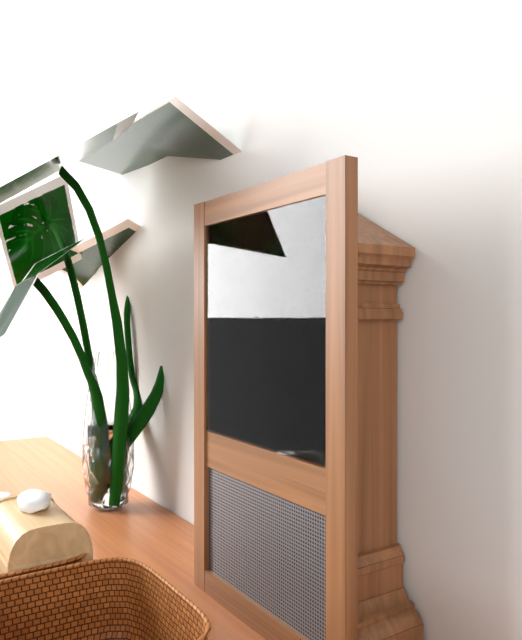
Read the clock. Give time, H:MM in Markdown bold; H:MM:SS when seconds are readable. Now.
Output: **6:41**
